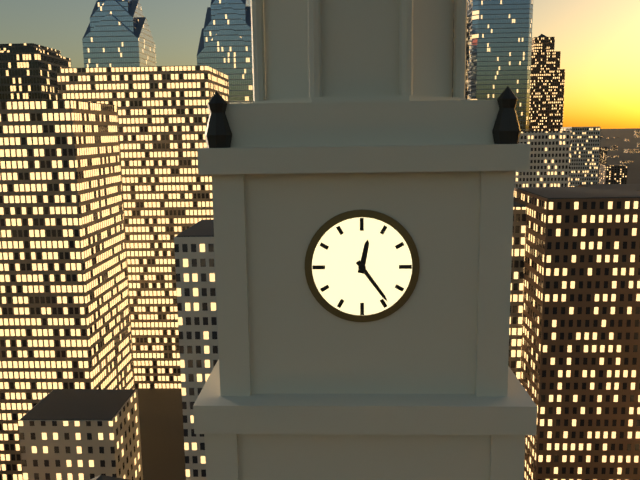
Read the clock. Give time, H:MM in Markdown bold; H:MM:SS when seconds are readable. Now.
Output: **12:24**
